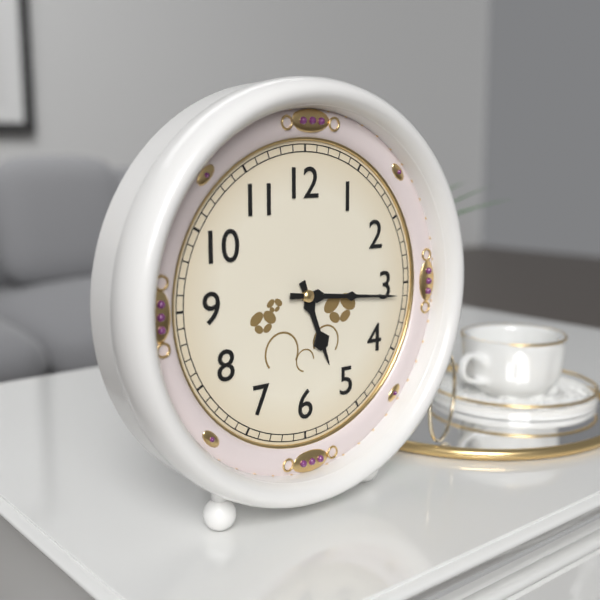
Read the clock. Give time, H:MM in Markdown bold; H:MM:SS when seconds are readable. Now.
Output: **5:16**
